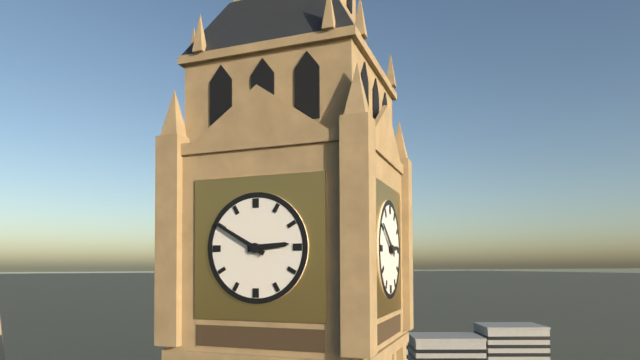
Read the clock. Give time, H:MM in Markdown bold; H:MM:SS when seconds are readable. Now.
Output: **2:50**
